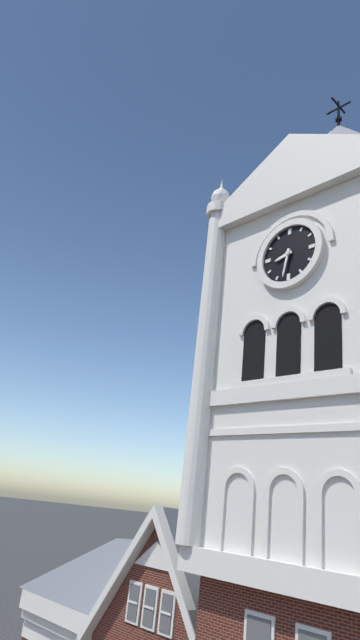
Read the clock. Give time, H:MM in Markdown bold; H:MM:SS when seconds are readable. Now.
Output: **8:32**
